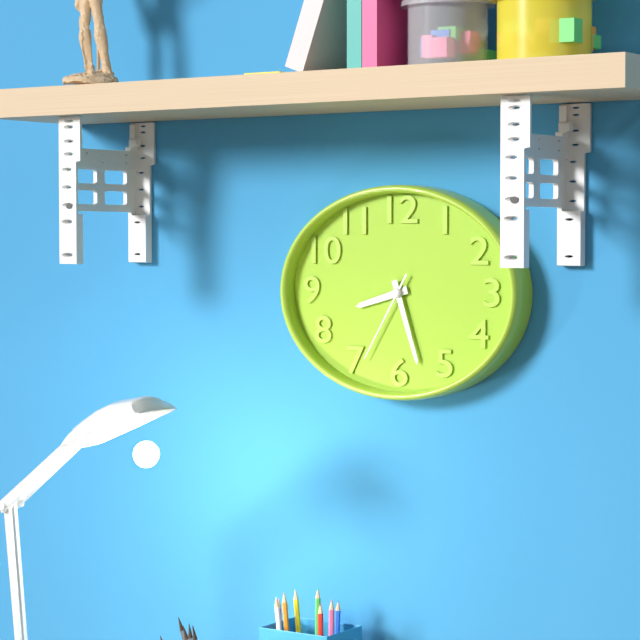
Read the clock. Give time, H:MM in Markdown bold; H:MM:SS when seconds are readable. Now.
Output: **8:27:35**
